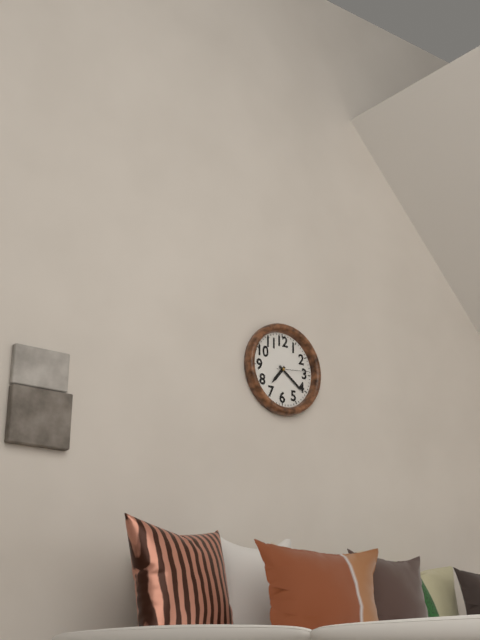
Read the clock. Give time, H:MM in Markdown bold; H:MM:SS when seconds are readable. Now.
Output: **7:21**
